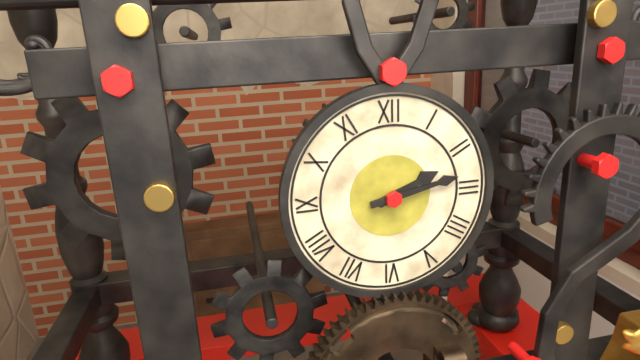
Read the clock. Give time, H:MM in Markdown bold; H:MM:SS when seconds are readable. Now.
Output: **2:13**
